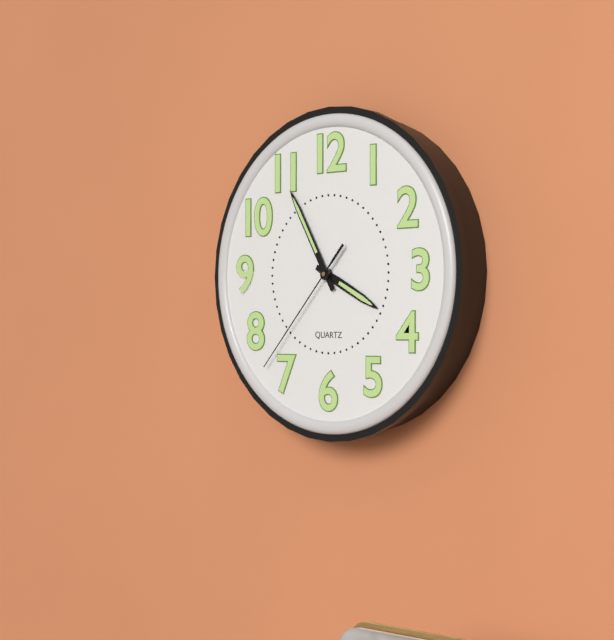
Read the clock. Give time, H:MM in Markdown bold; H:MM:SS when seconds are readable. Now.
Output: **3:55:37**
